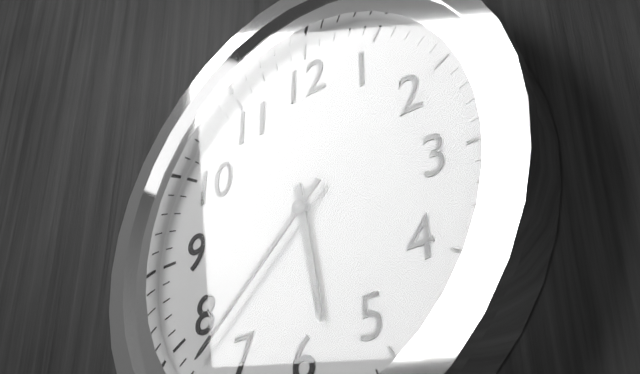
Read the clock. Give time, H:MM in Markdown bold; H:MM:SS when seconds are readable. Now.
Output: **5:38**
